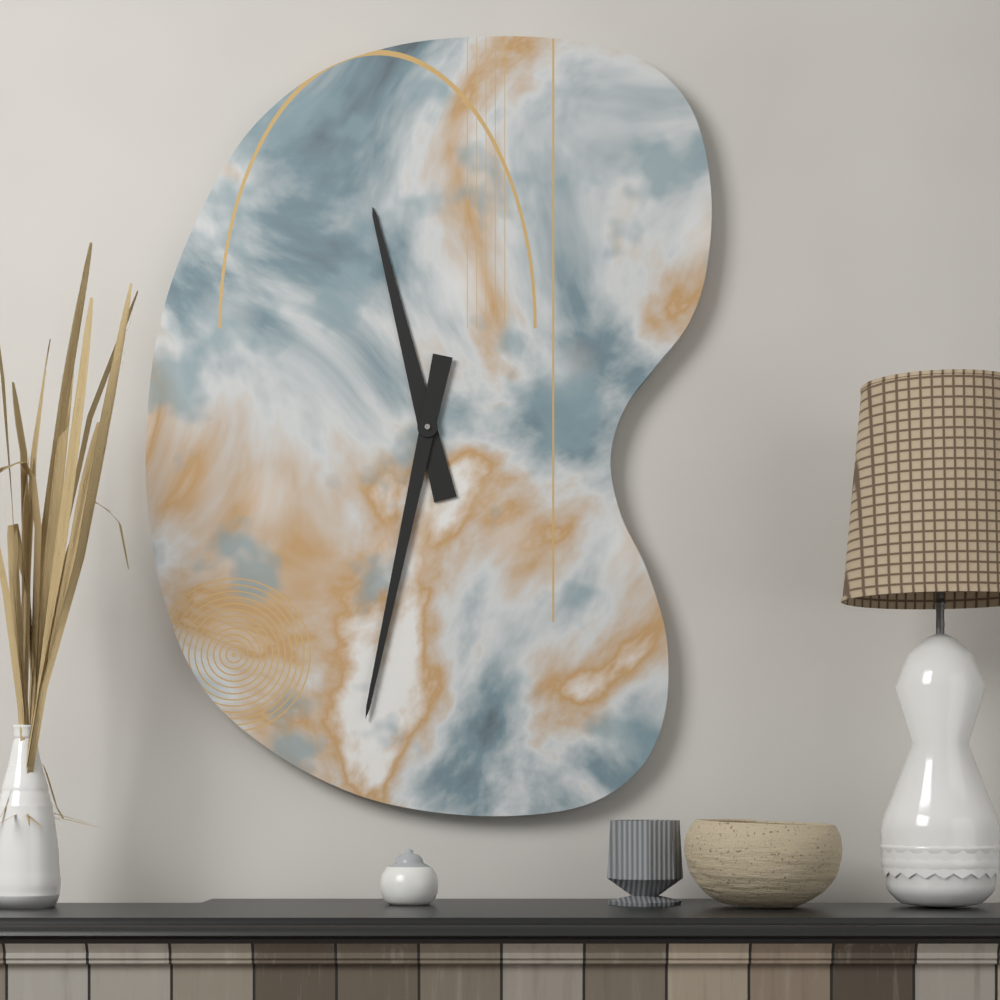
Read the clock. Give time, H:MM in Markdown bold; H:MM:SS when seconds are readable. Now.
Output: **11:32**
